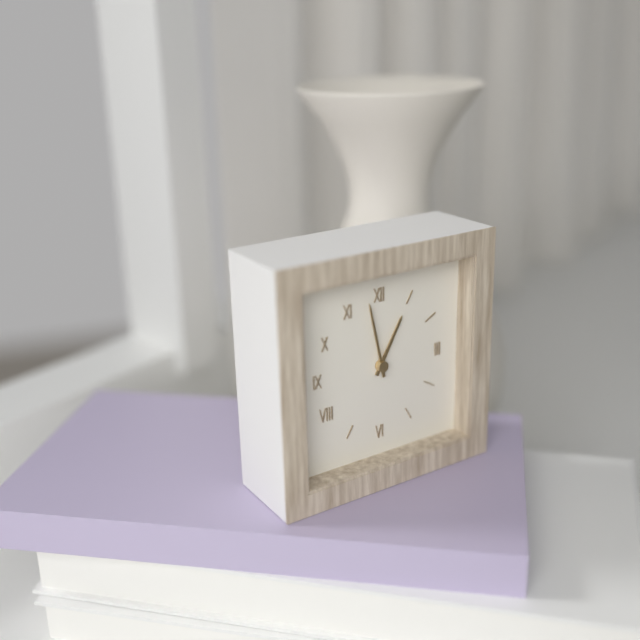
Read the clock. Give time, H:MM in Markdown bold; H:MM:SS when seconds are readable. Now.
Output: **12:58**
